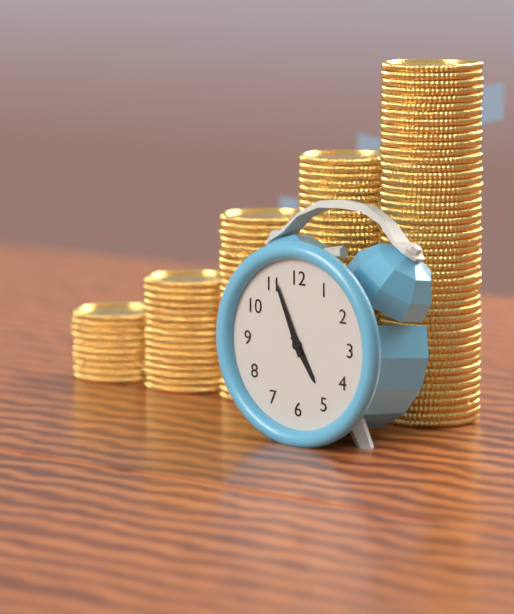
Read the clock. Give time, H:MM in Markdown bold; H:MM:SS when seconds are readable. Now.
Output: **4:56**
